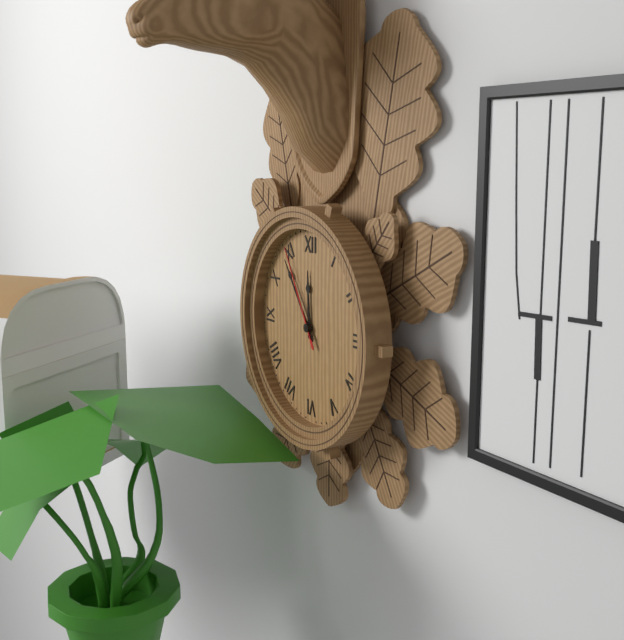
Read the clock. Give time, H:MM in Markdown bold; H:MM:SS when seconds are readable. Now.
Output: **11:54:55**
